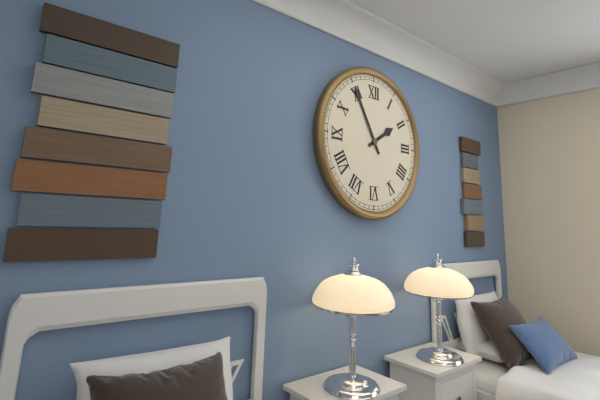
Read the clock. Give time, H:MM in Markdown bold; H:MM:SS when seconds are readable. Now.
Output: **1:55**
